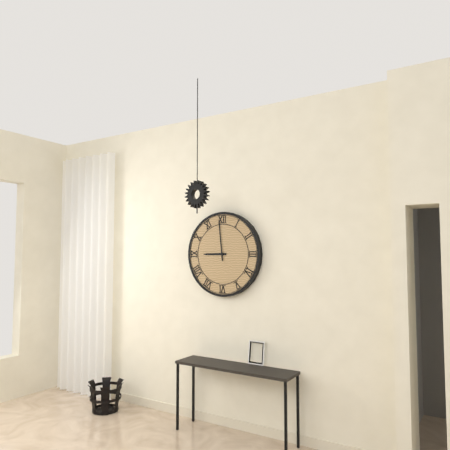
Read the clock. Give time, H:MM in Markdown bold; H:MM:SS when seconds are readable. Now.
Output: **8:59**
